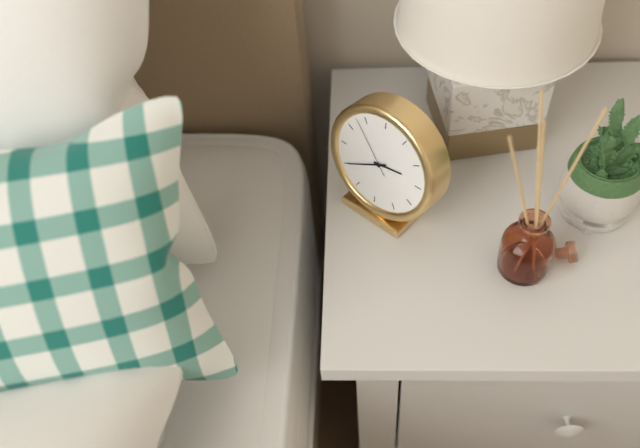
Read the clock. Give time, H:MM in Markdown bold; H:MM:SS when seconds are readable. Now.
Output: **2:40:53**
